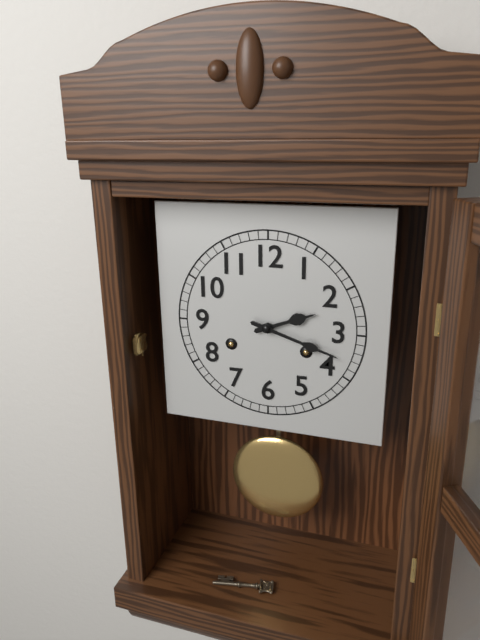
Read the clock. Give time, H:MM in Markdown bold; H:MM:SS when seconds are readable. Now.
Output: **2:18**
